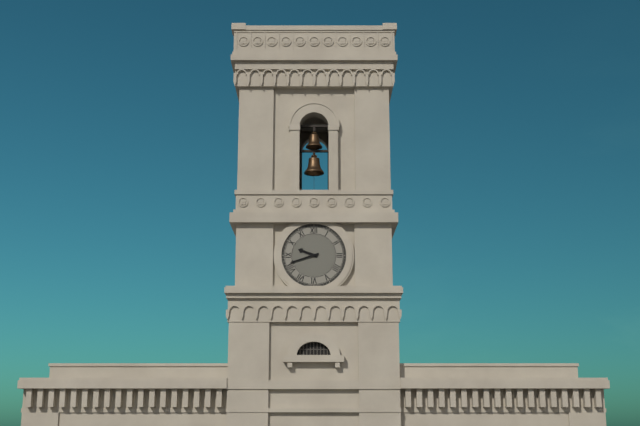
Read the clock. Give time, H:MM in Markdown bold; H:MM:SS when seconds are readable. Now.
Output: **9:42**
